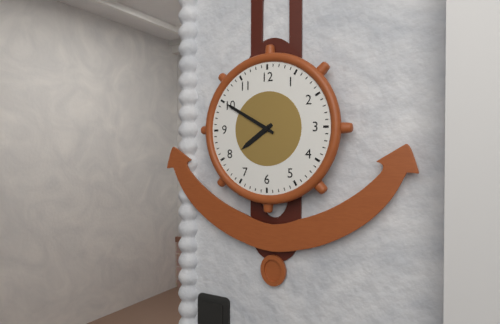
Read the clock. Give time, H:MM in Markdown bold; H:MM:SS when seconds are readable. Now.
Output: **7:50**
